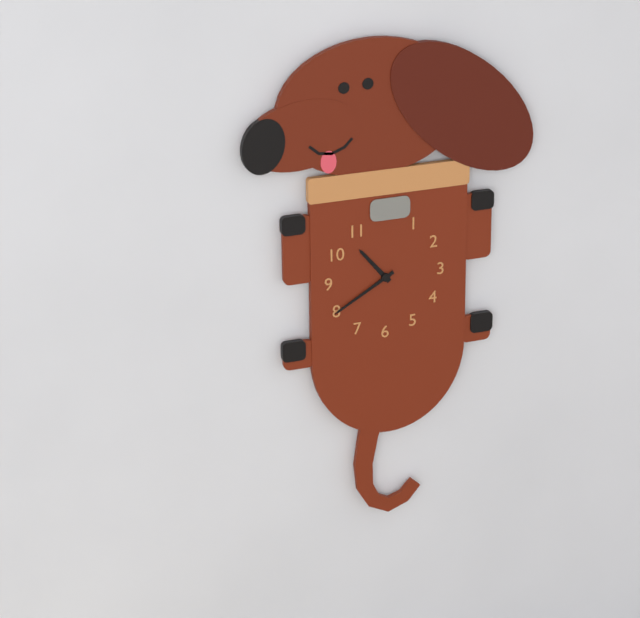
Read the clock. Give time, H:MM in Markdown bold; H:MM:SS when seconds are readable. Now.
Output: **10:40**
